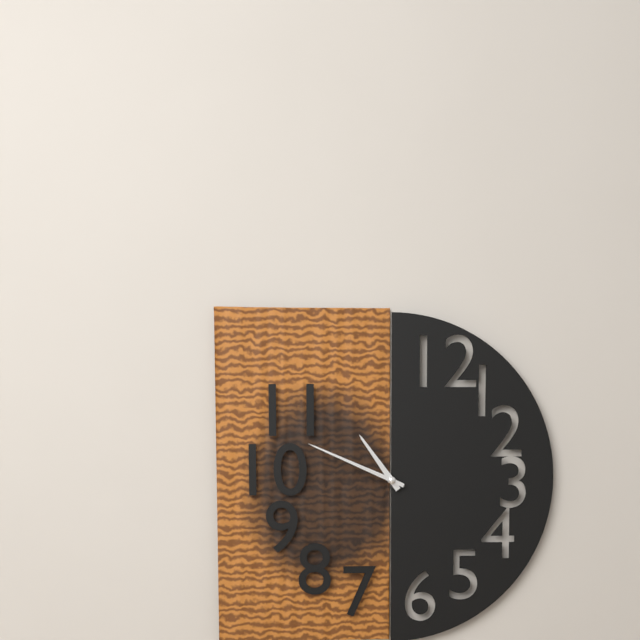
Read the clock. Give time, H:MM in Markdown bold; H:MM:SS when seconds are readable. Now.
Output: **10:49**
